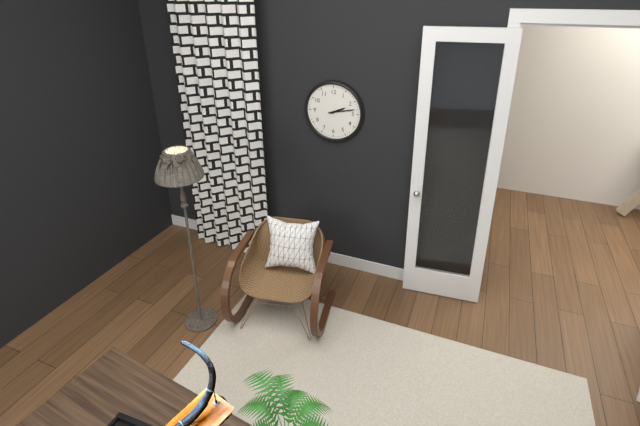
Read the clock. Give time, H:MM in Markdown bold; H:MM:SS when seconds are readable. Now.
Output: **2:13**
